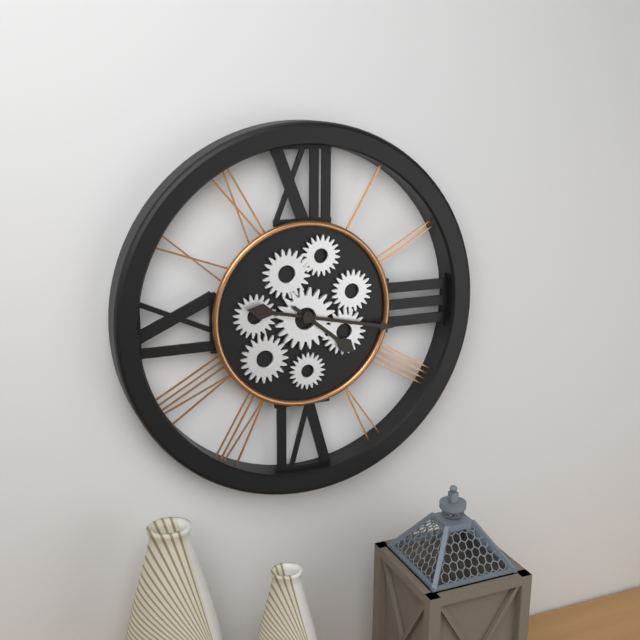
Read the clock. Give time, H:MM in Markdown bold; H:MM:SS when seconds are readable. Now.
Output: **4:17**
